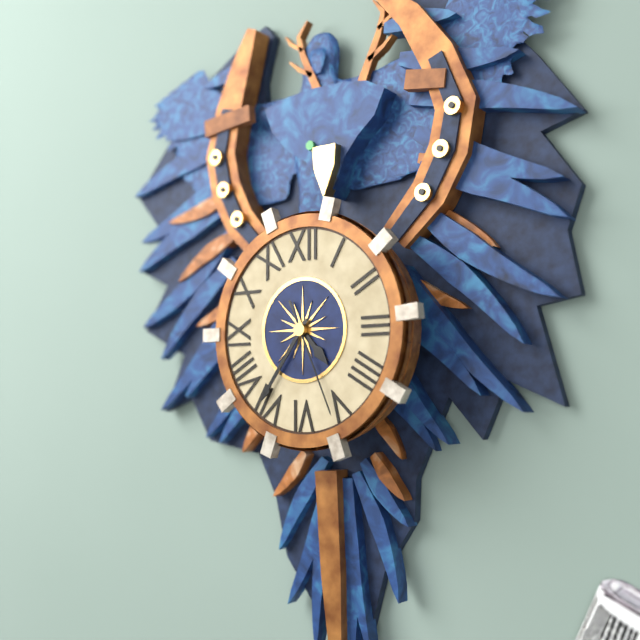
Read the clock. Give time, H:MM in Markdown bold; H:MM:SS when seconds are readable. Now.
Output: **4:36:26**
